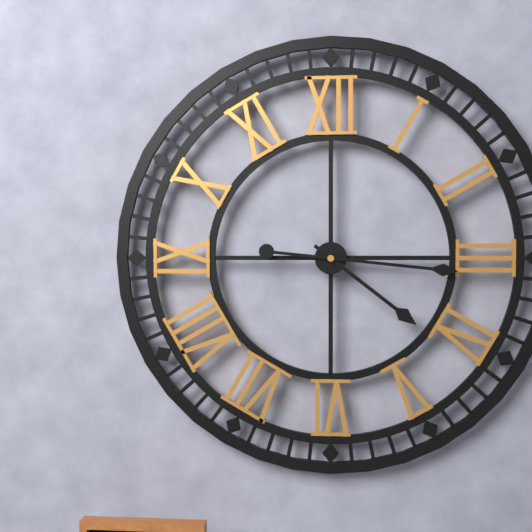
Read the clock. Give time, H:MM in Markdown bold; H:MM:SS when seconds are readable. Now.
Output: **4:16**
